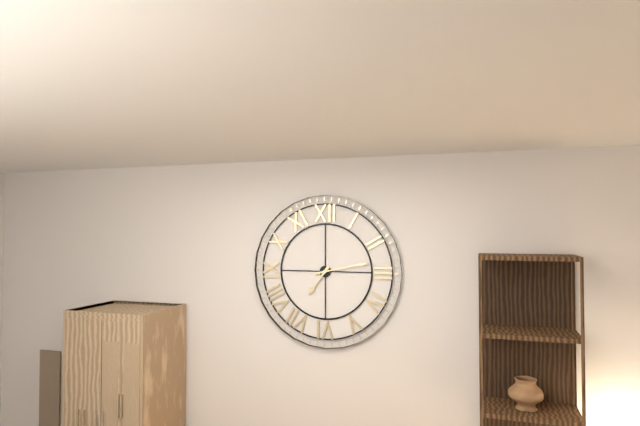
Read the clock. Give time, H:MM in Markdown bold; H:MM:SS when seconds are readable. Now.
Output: **7:13**
